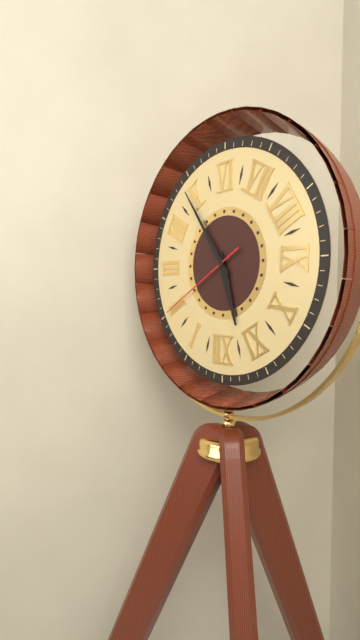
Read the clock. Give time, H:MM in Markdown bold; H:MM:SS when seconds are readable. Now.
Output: **11:24:10**
